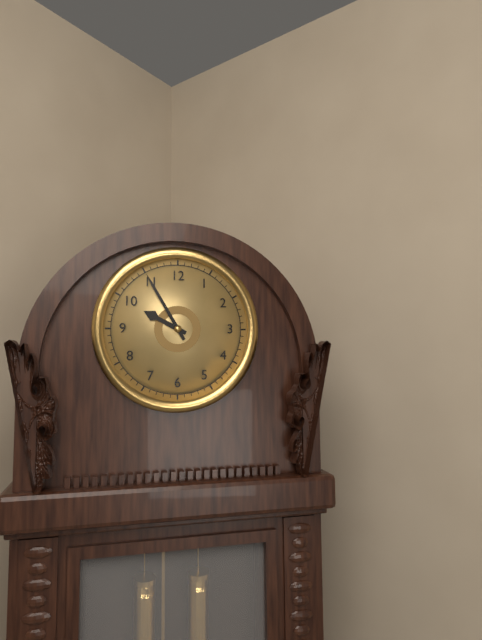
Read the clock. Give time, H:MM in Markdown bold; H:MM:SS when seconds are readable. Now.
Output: **9:55**
